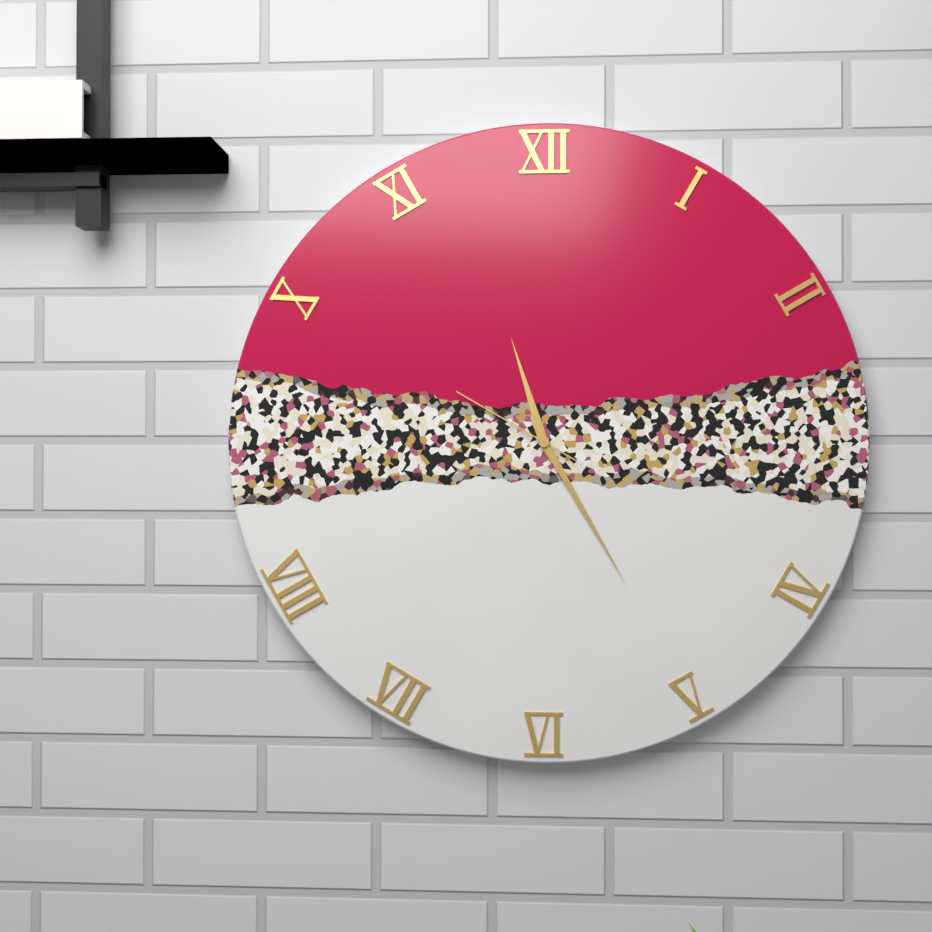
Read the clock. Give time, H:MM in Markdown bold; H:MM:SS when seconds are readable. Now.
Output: **11:25:50**
